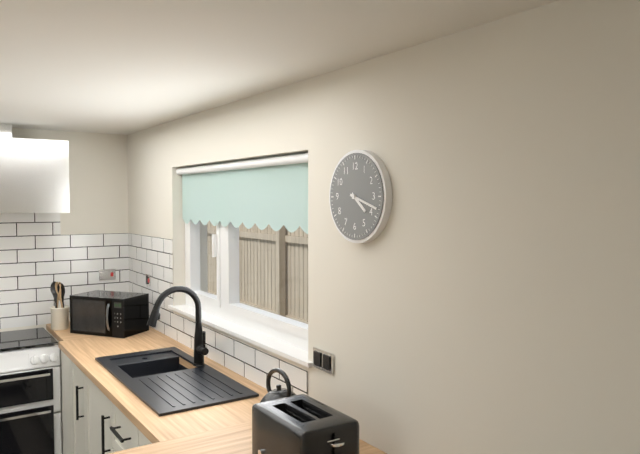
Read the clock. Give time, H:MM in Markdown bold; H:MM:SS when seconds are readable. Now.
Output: **4:18**
